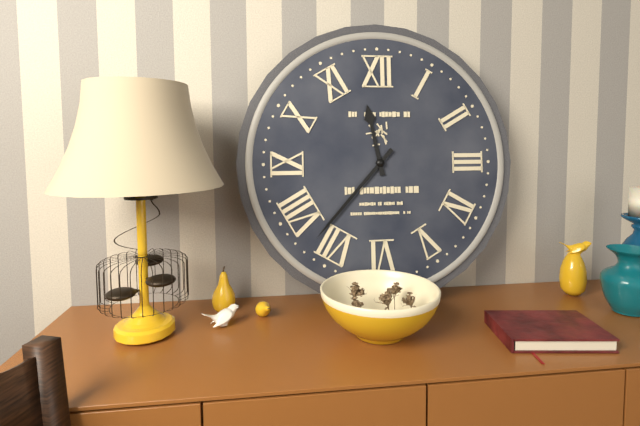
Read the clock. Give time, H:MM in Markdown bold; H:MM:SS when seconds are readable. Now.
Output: **11:37**
